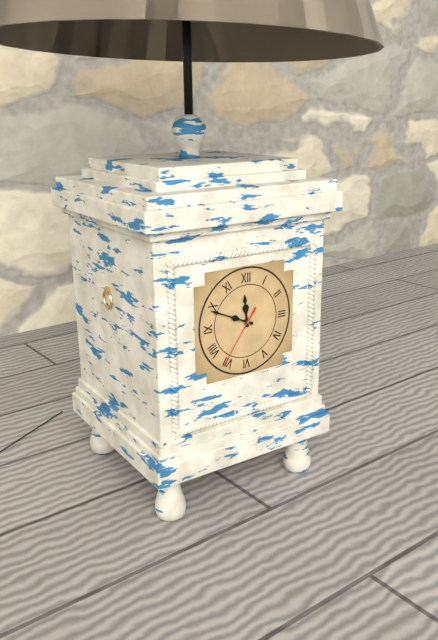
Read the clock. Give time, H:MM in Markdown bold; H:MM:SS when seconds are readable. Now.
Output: **11:49:36**
